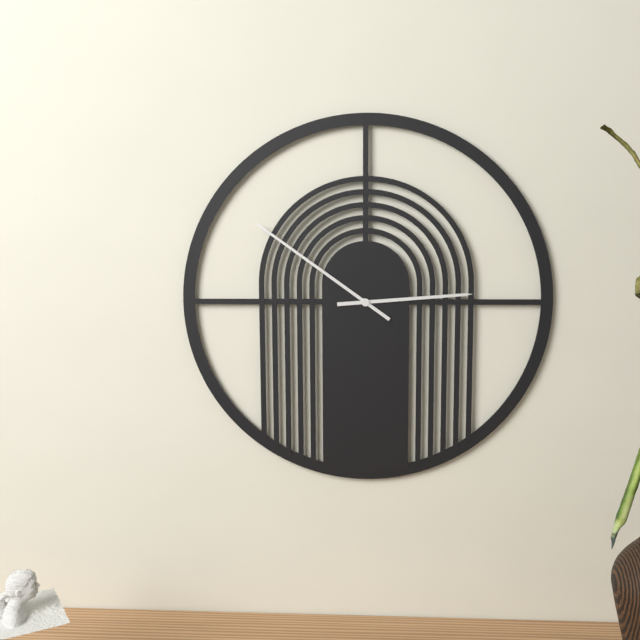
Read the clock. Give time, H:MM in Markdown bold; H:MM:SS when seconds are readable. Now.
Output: **2:51**
